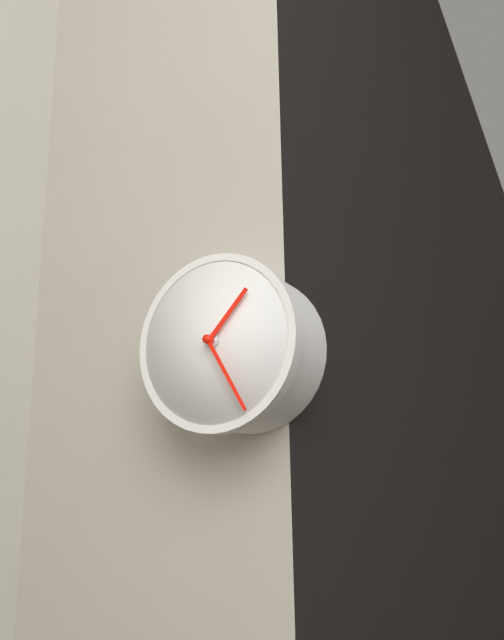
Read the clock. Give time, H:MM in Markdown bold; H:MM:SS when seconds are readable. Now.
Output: **1:25**
